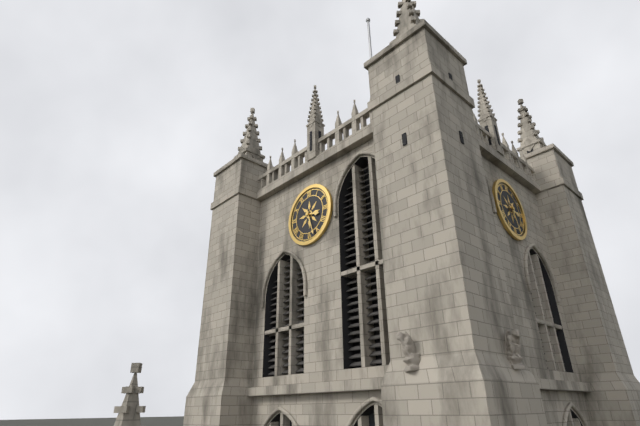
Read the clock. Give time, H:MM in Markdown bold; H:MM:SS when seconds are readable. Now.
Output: **3:27**
